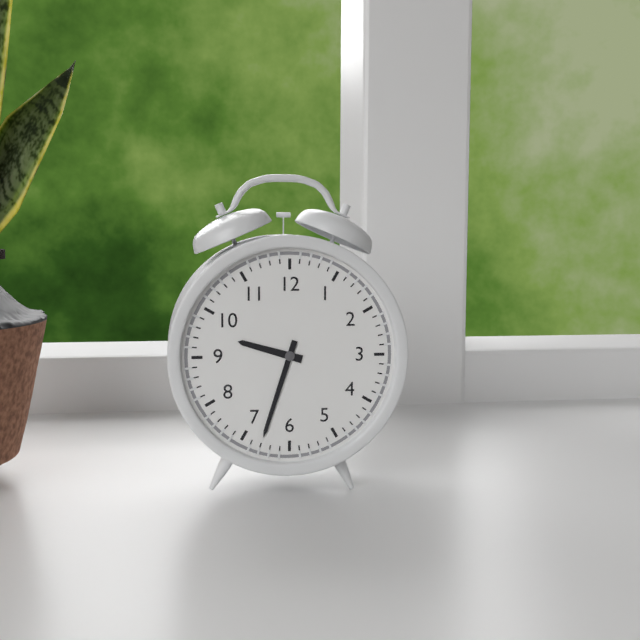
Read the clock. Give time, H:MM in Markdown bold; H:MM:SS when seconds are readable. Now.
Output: **9:33**
